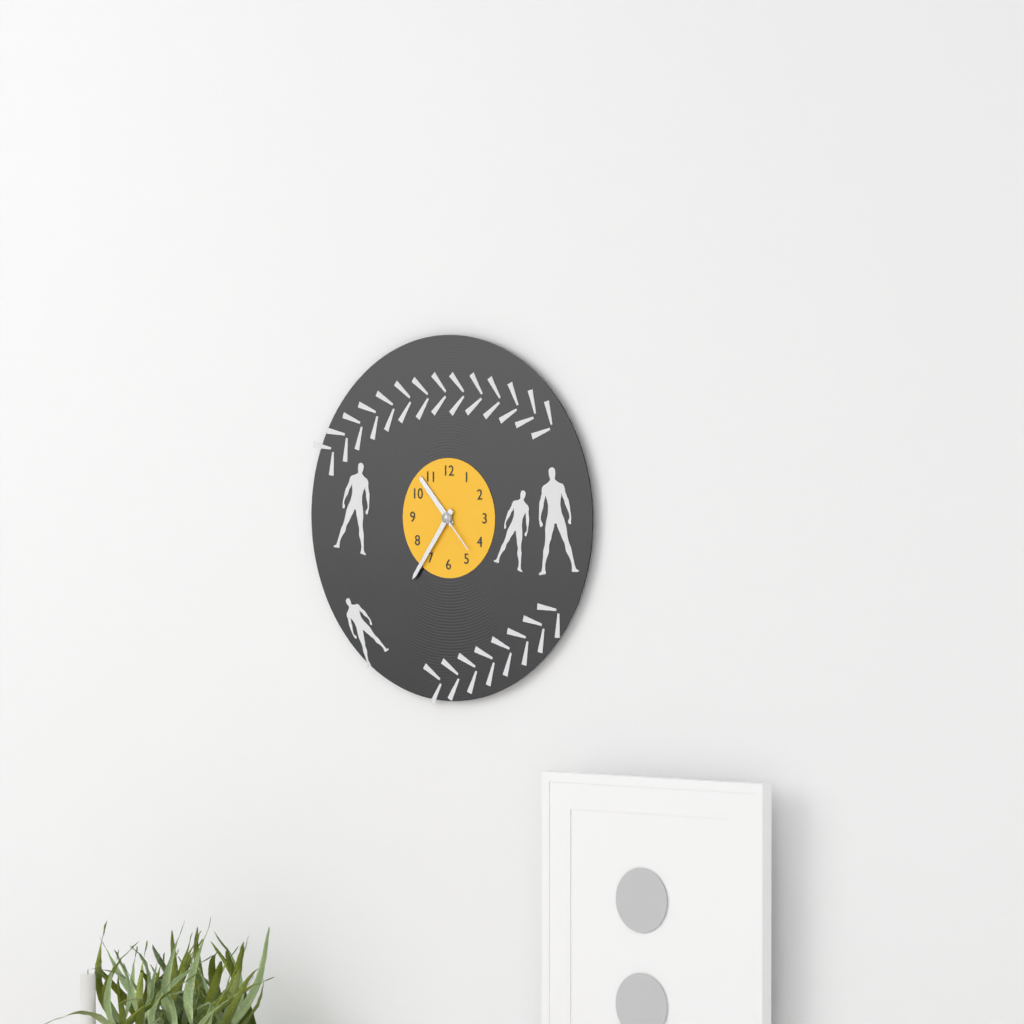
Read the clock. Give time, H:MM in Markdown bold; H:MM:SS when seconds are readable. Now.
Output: **10:36**
